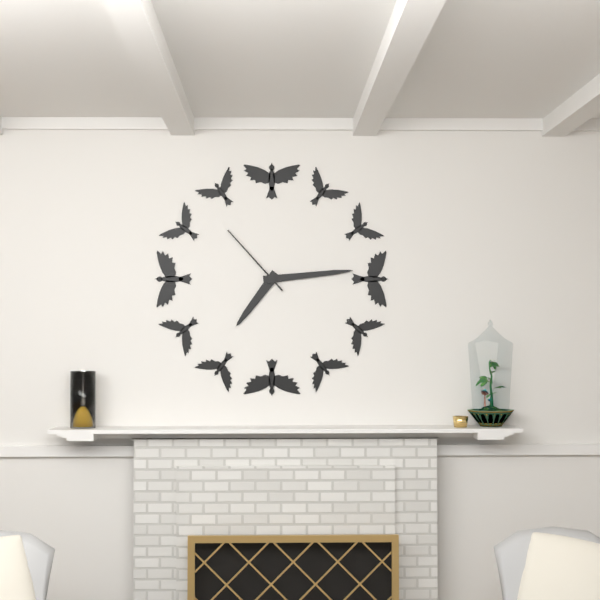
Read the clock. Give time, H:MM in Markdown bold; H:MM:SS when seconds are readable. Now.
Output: **7:14:53**
